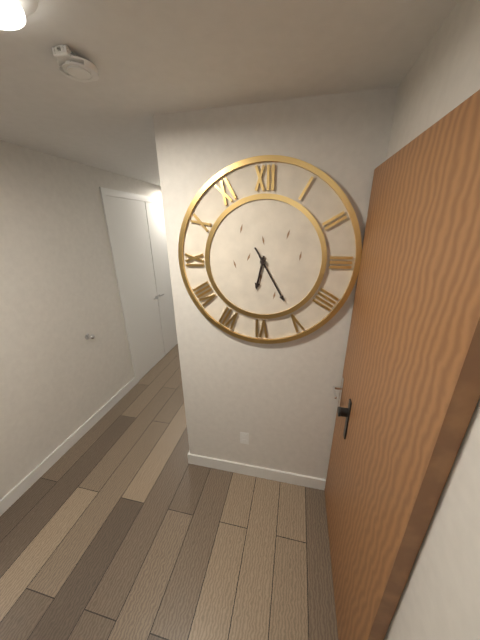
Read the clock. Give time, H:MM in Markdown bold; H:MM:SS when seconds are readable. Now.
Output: **6:25**
